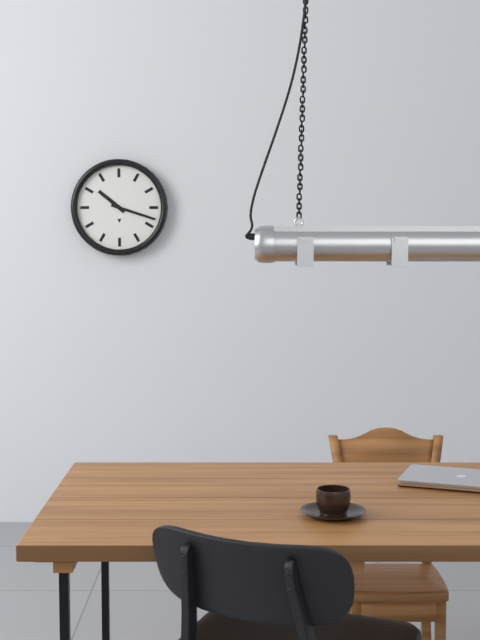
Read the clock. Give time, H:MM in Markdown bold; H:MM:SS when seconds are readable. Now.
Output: **10:18**
